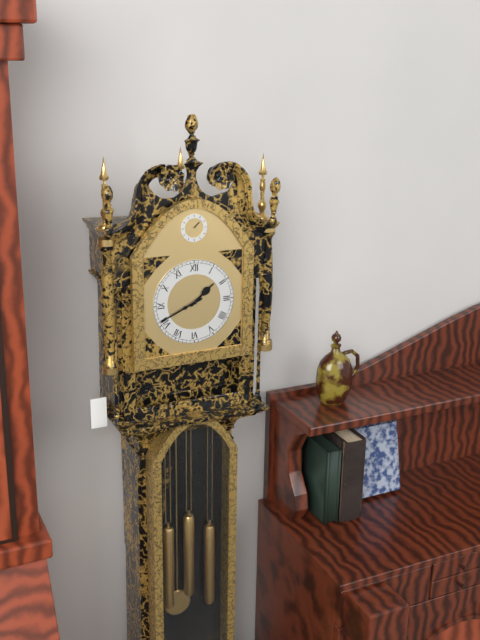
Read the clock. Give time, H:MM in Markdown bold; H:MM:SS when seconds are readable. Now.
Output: **1:41**
